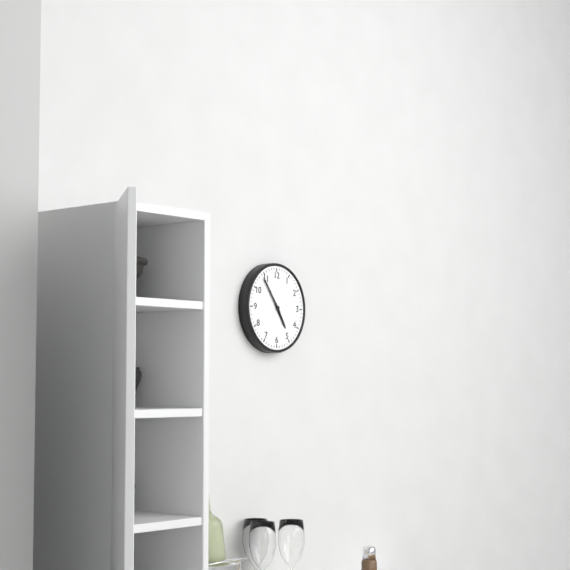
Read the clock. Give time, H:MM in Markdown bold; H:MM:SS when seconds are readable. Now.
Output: **4:54**
